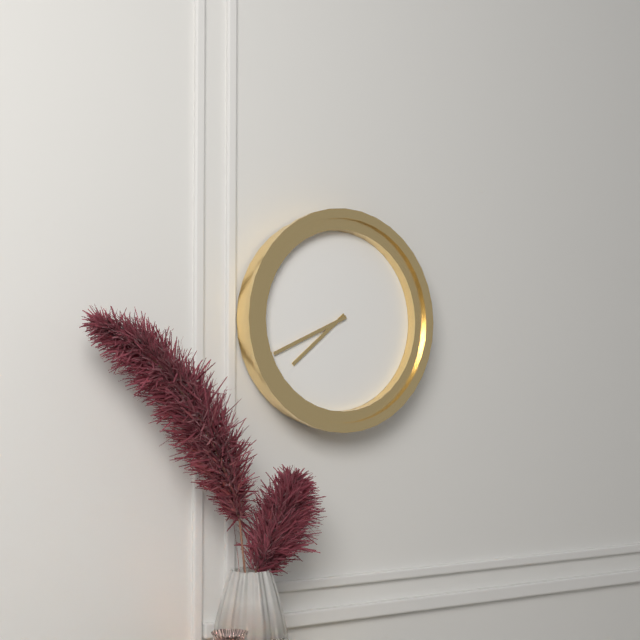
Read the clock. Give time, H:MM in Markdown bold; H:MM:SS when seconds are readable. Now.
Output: **7:41**
